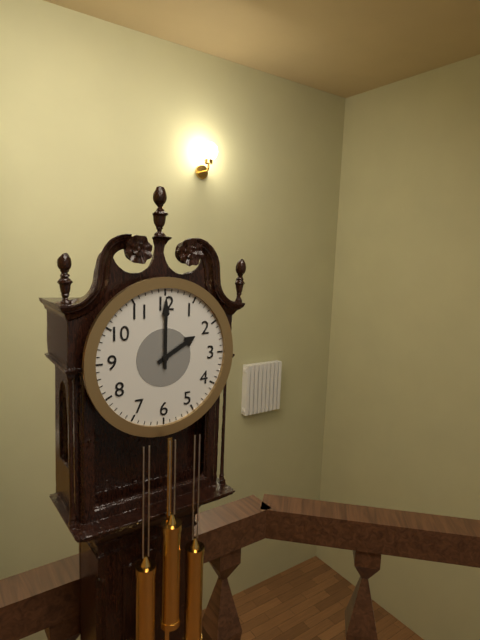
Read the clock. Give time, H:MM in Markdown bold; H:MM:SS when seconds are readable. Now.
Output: **2:00**
